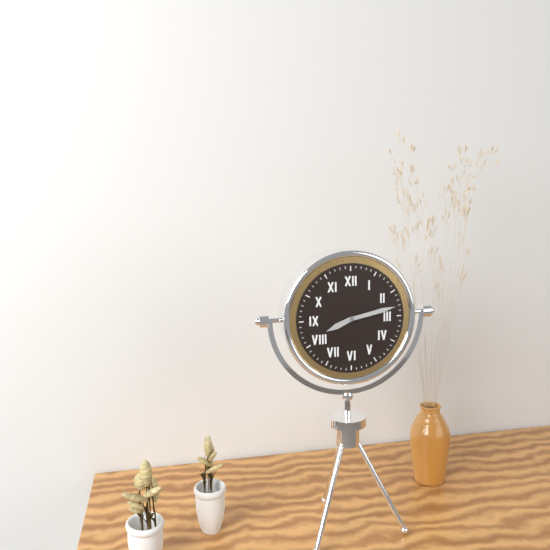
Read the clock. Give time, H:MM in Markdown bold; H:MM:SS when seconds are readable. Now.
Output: **8:13**
